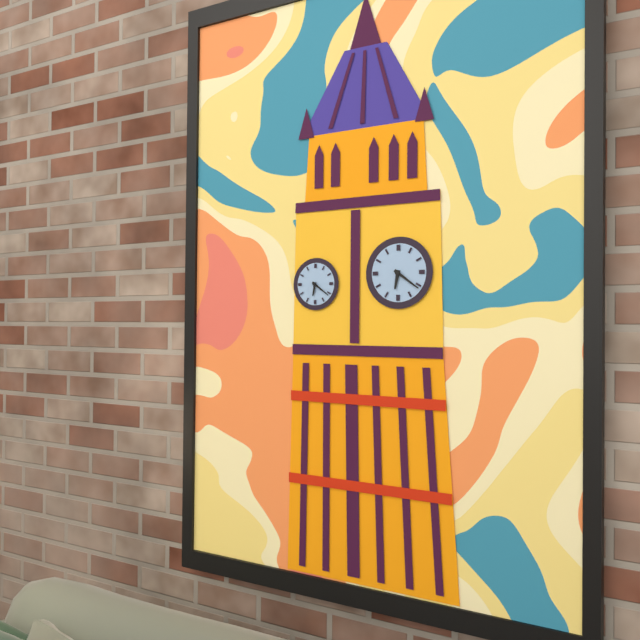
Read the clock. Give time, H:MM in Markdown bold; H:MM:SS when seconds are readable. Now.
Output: **6:21**
